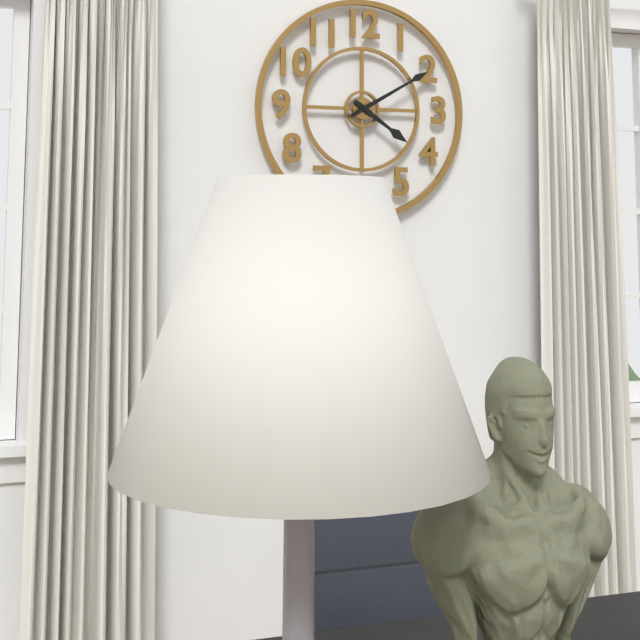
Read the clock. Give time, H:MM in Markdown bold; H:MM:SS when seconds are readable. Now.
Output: **4:10**
